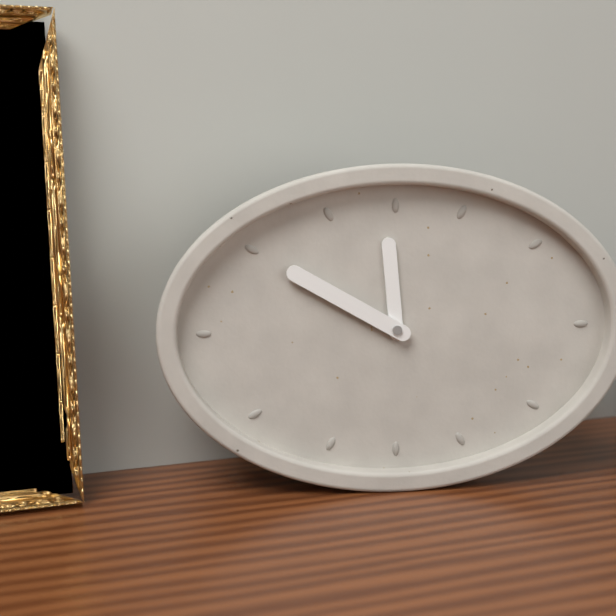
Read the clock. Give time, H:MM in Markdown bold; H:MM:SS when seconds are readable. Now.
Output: **11:50**
